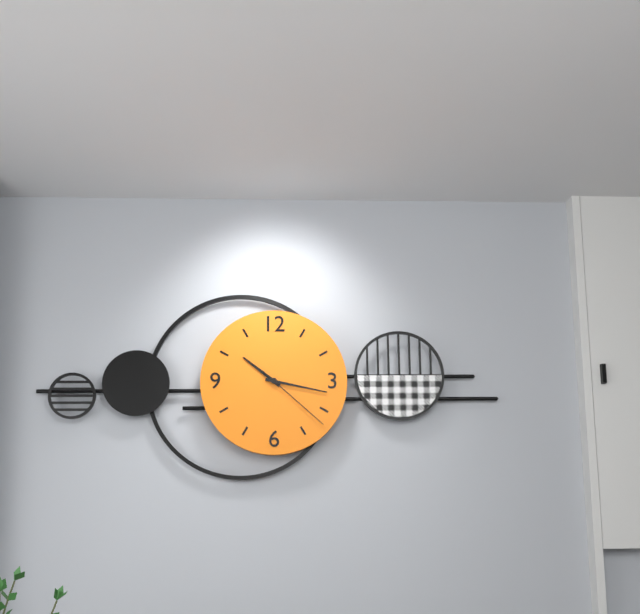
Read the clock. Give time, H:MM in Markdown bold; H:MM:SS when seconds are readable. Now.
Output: **10:17:22**
